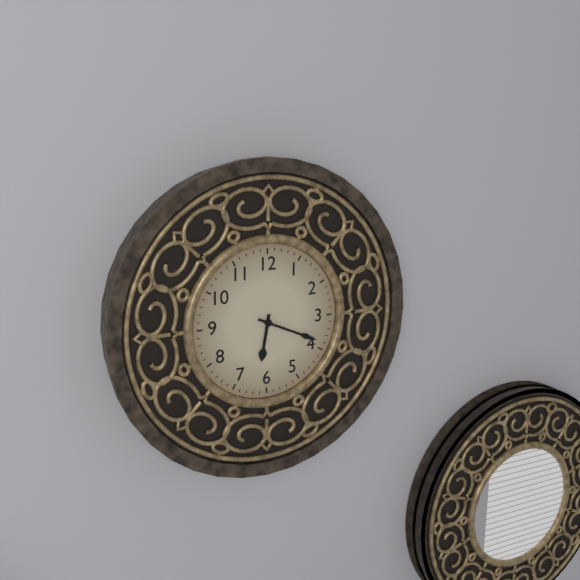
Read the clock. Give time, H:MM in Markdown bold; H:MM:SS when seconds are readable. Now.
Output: **6:19**
